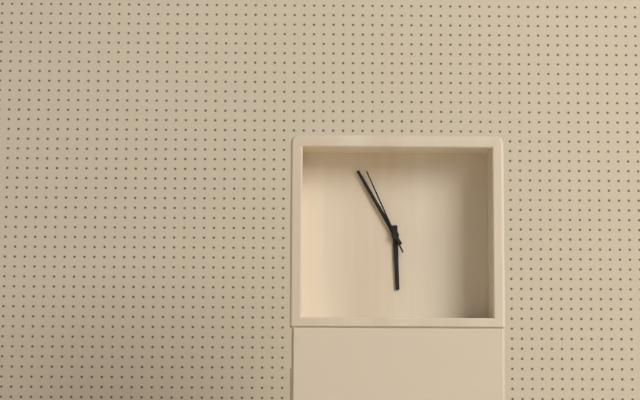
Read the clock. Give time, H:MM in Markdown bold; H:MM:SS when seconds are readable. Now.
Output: **5:55:56**
